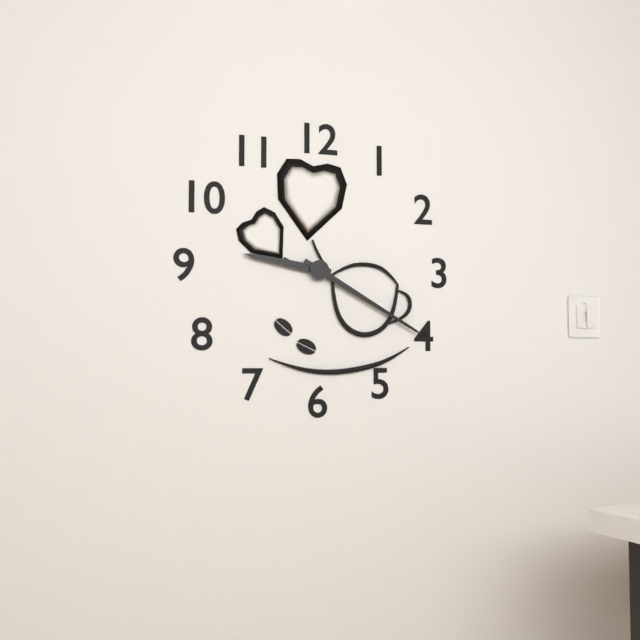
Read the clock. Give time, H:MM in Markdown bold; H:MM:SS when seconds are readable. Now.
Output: **9:20**
